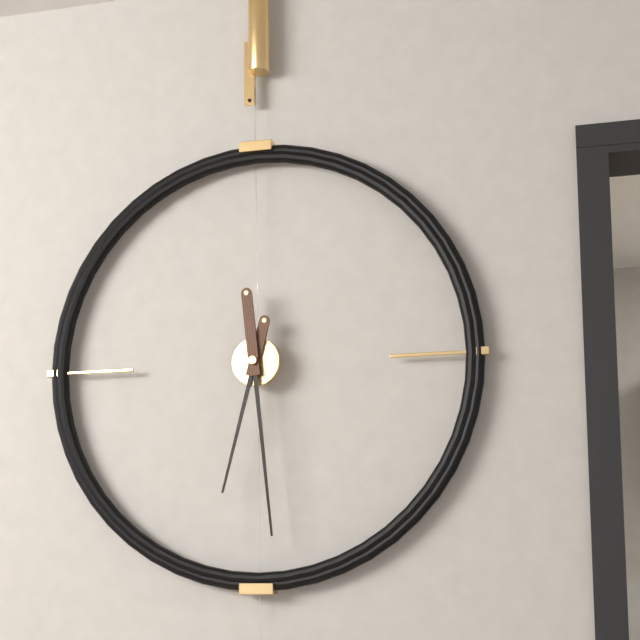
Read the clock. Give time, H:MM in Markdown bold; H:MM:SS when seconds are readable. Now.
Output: **6:29**
